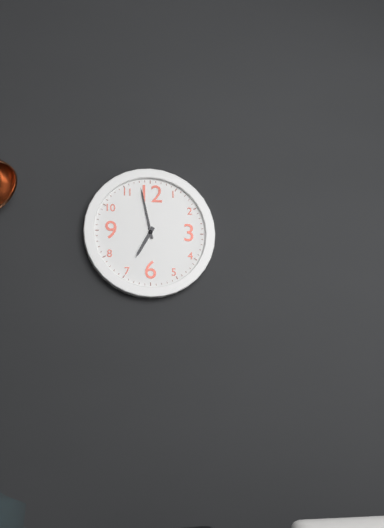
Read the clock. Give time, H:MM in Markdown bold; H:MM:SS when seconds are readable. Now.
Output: **6:58**
